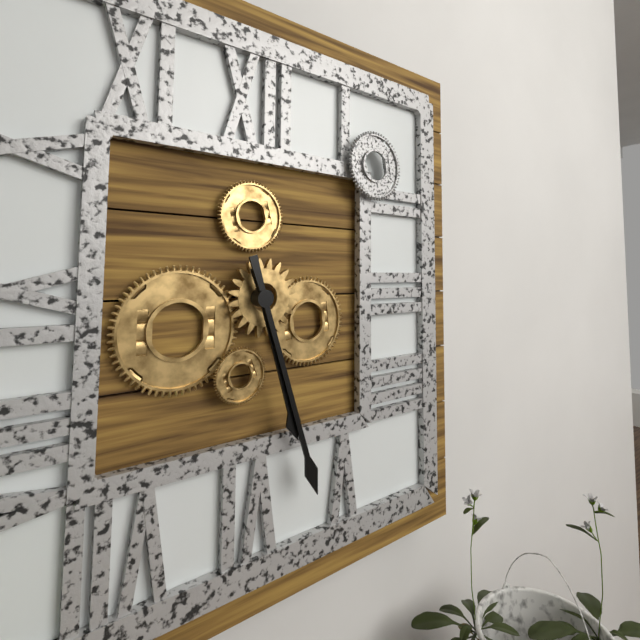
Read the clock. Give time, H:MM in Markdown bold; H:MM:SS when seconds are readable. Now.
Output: **5:27**
